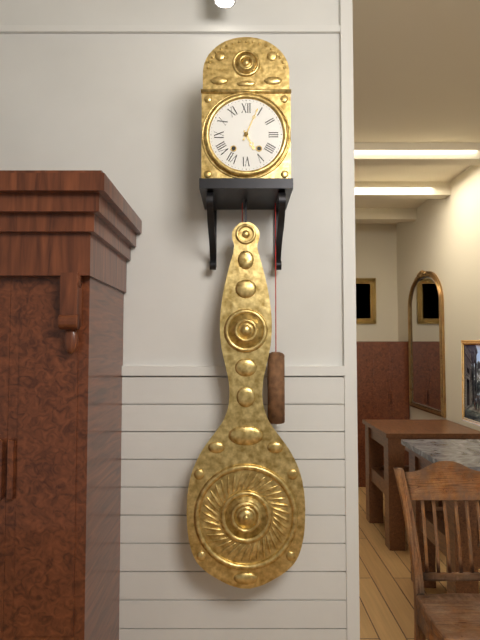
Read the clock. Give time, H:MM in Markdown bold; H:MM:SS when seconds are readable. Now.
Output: **5:04**
